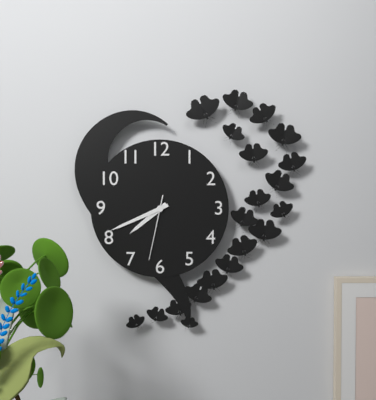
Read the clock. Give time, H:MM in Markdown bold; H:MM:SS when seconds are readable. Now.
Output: **7:41:32**
